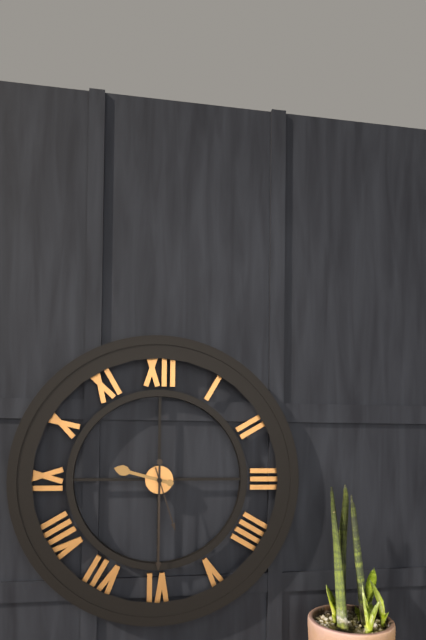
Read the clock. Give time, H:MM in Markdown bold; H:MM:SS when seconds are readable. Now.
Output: **9:30:27**
